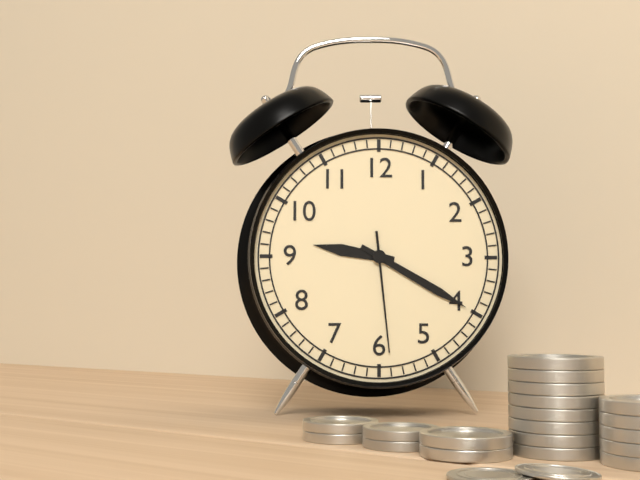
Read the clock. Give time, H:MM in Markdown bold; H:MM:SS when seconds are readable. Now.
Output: **9:20:29**
